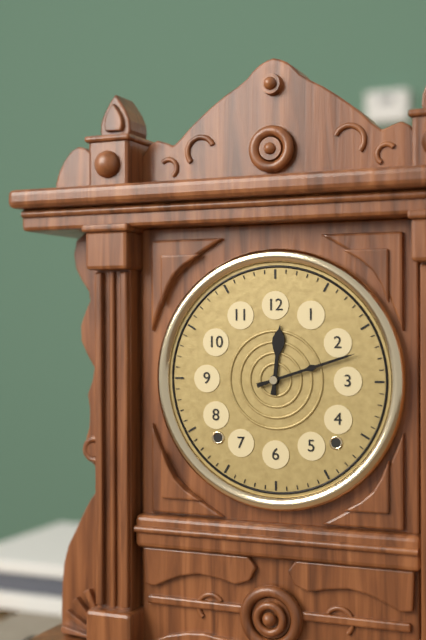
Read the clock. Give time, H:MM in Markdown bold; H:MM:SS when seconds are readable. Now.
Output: **12:12**
